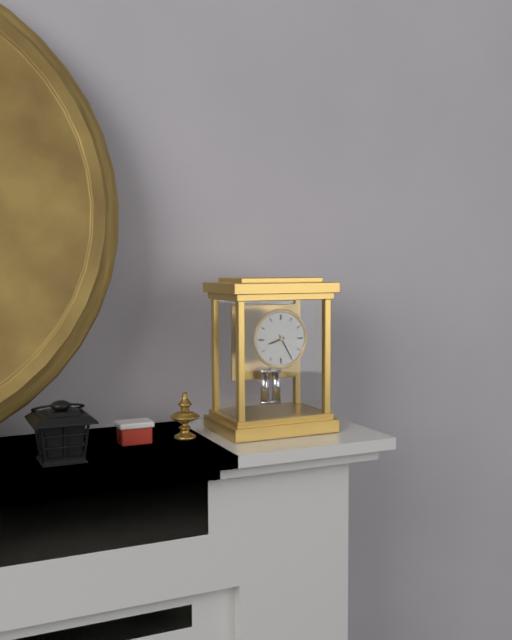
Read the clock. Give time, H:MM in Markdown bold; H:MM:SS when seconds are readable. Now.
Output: **8:25**
